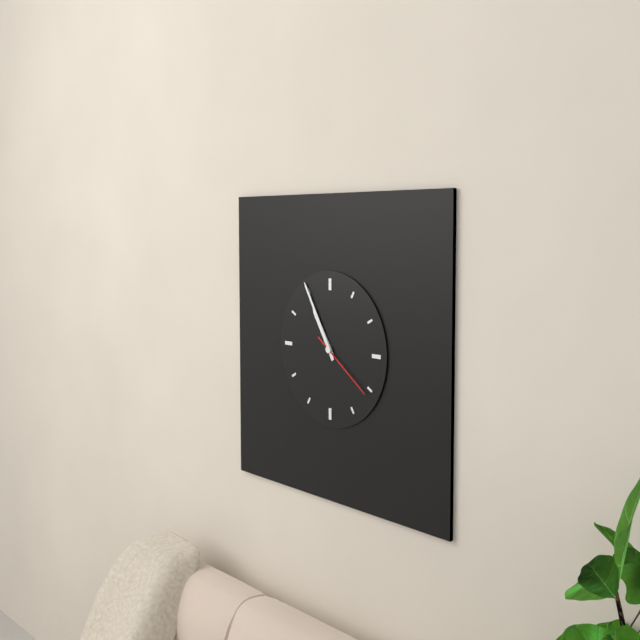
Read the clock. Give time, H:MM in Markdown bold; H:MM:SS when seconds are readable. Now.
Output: **10:55:21**
